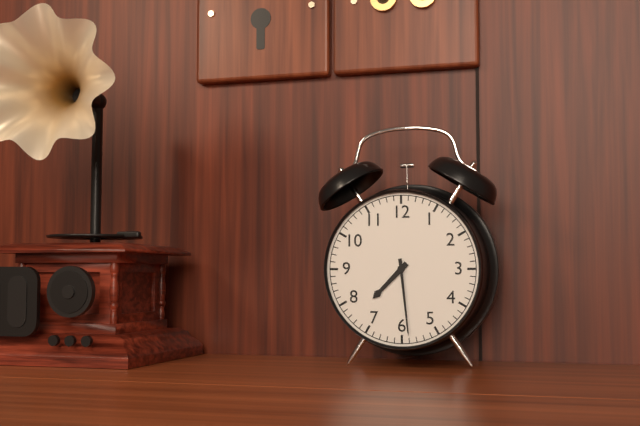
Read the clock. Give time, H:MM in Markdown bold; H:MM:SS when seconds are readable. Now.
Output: **7:29**
